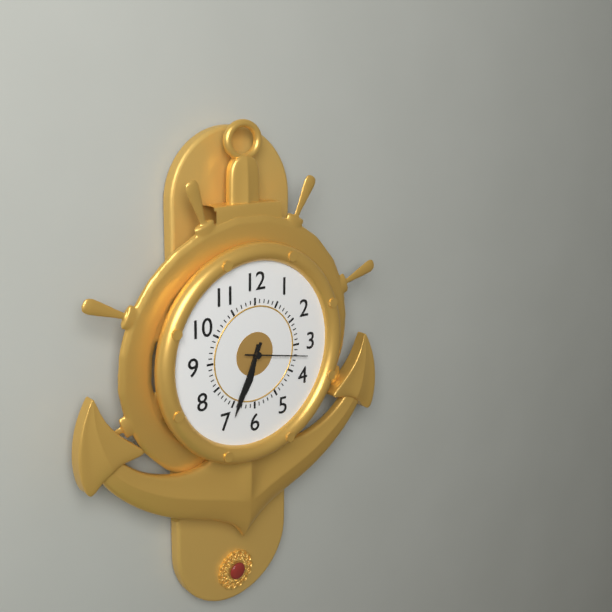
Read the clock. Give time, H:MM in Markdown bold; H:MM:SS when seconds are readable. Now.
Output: **6:34:17**
